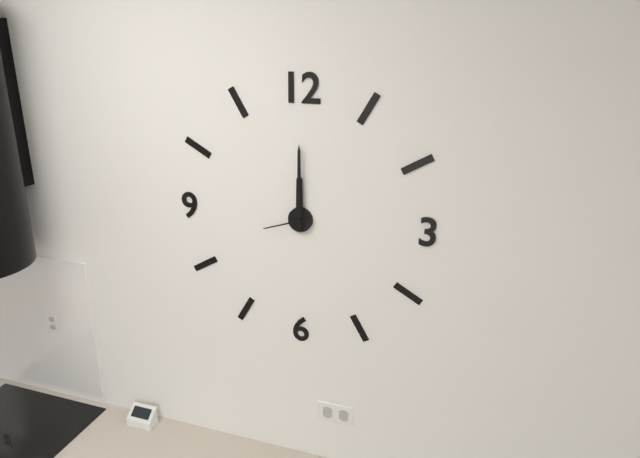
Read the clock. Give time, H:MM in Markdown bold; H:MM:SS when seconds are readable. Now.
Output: **12:00**
